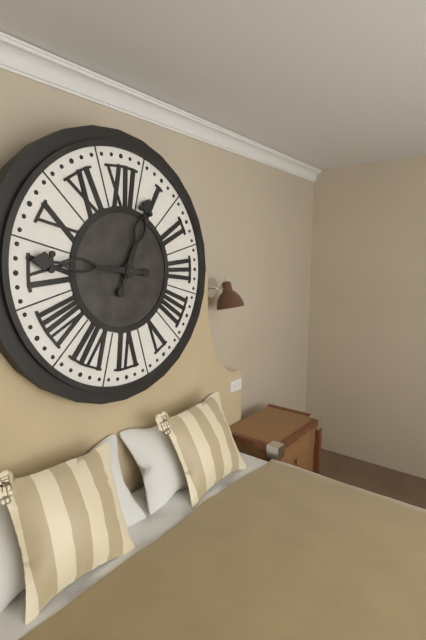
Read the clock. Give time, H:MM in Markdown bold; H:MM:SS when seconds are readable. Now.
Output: **12:46**
